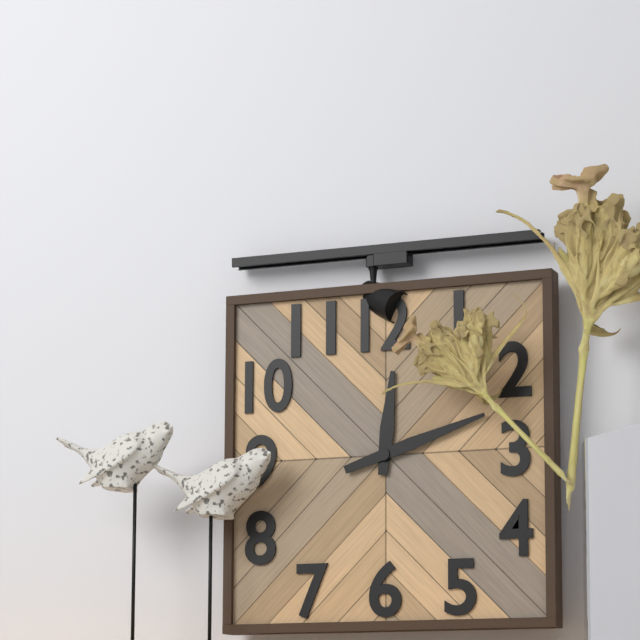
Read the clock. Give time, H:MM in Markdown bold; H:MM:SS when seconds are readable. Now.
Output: **12:12**
